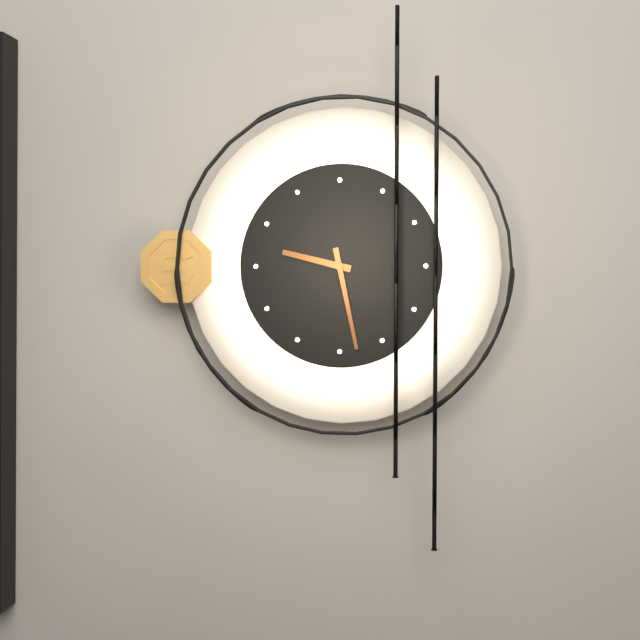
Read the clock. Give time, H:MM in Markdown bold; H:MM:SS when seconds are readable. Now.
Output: **9:28**
